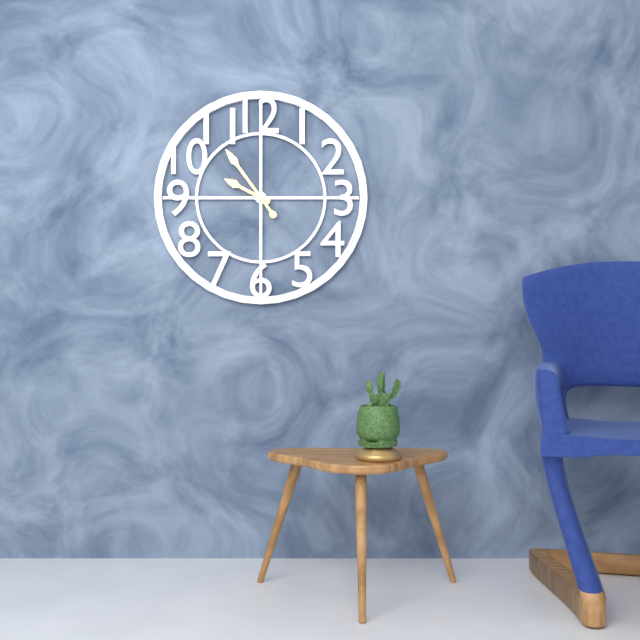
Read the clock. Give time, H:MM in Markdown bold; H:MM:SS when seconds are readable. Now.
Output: **9:54**
